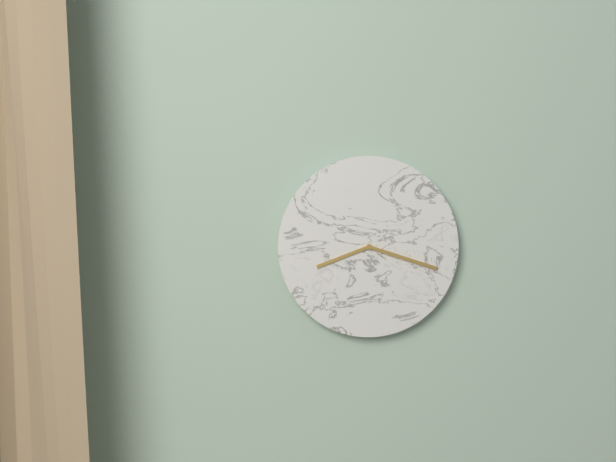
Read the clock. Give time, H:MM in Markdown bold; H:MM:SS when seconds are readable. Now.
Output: **8:18**
